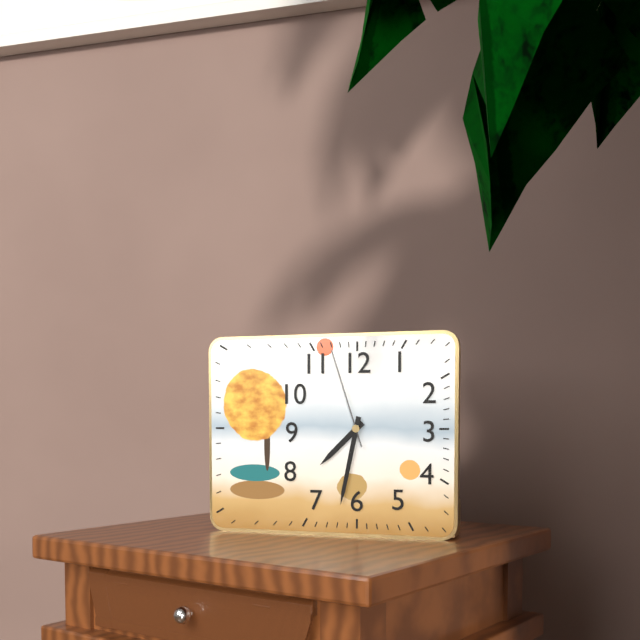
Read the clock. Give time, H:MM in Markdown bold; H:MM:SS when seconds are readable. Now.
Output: **7:32:57**
